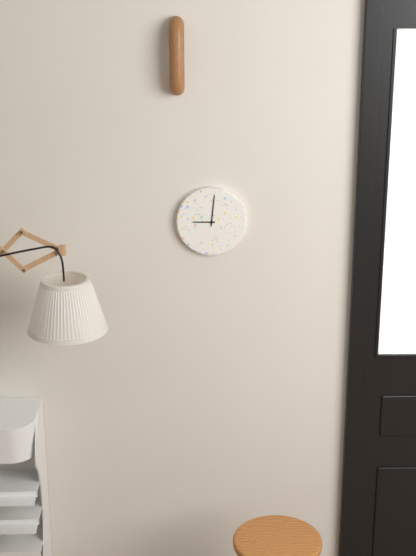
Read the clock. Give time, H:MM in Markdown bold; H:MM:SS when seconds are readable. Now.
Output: **9:01**
